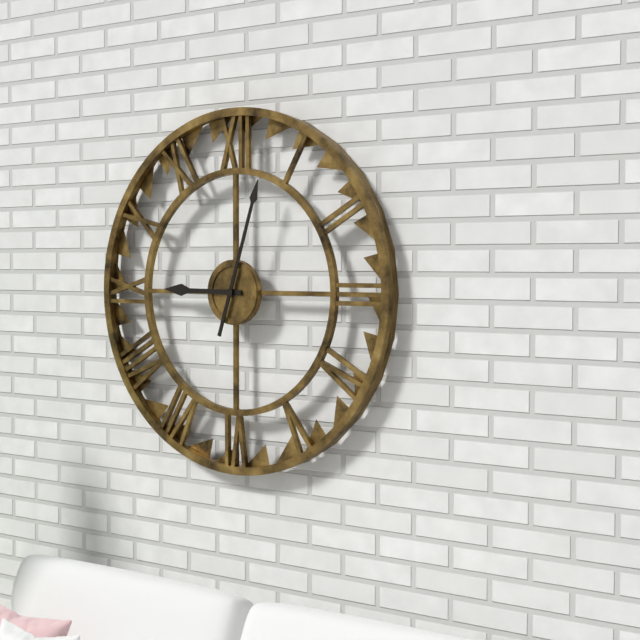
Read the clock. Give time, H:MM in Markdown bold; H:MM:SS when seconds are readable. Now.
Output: **9:03**
